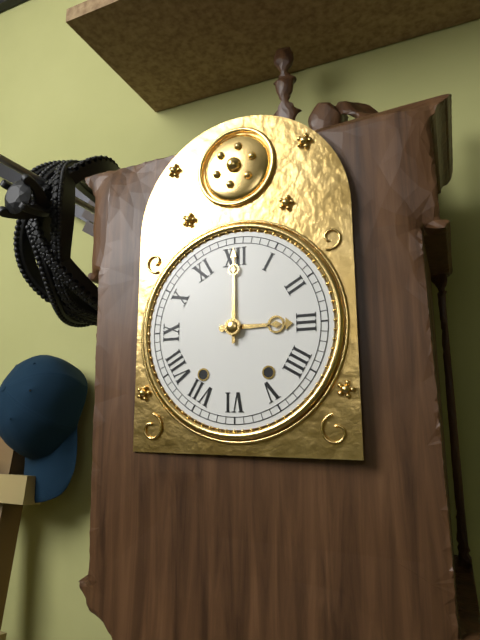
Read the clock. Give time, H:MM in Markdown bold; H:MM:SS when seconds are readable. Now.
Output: **3:00**
